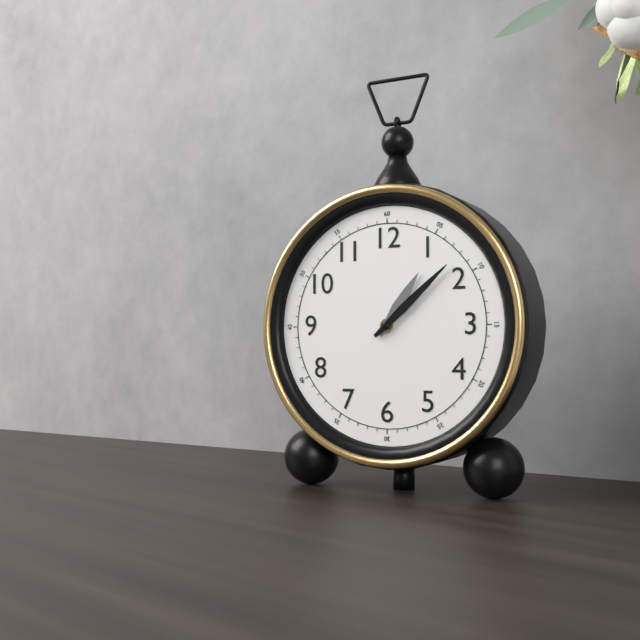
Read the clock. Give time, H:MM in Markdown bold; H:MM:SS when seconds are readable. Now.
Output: **1:08**
